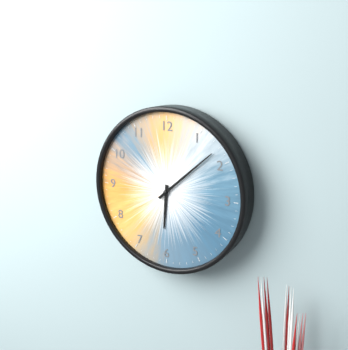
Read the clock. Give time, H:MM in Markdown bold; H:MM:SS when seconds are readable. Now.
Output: **6:08**
